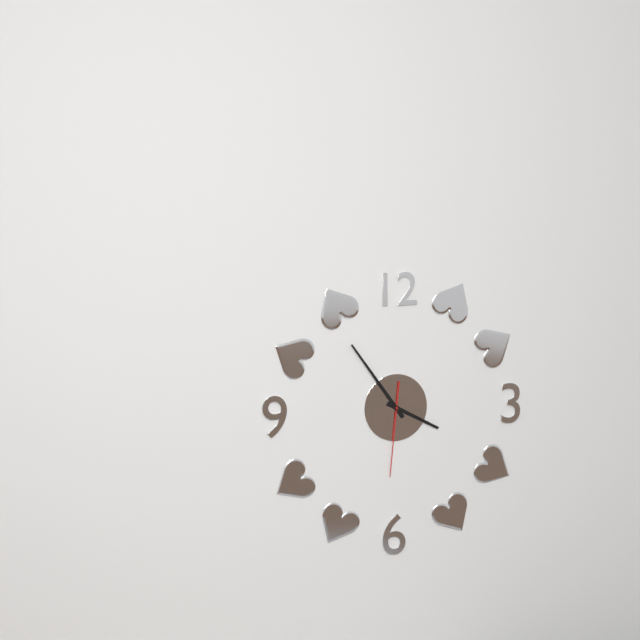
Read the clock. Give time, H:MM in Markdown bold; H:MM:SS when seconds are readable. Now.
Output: **3:54:31**
